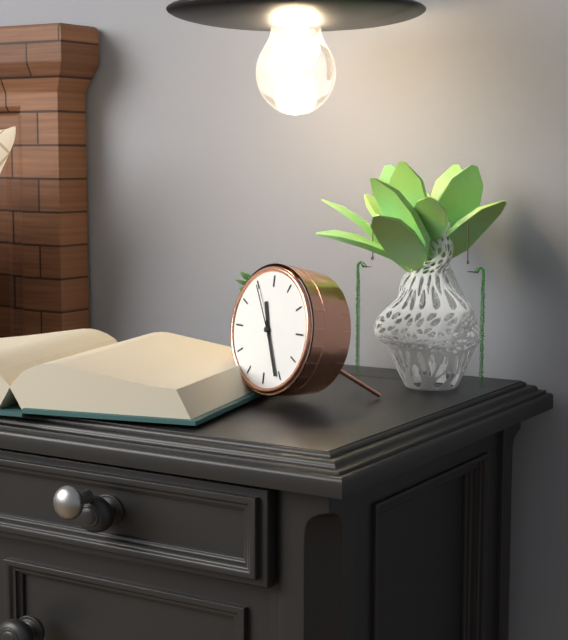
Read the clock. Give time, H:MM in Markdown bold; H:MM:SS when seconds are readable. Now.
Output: **11:26:55**
